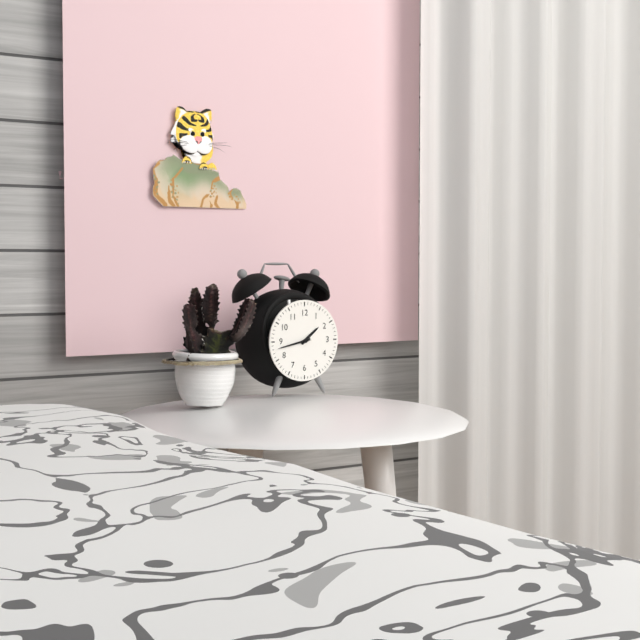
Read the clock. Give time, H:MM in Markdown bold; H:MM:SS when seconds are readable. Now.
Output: **1:43**
